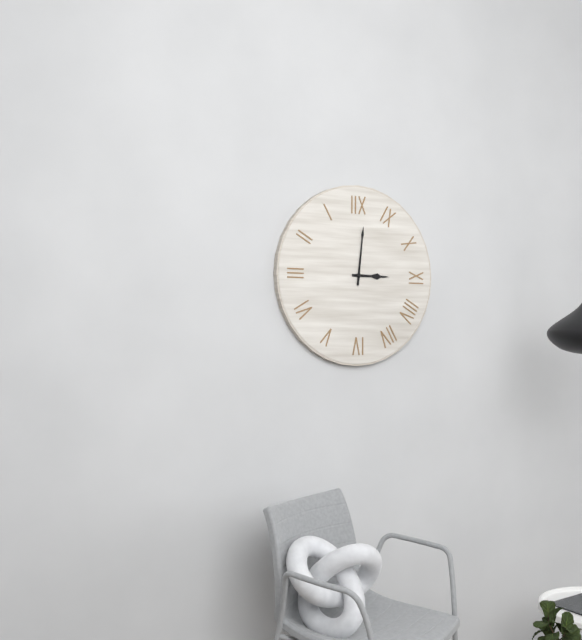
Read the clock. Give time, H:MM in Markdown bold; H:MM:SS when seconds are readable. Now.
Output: **3:01**
